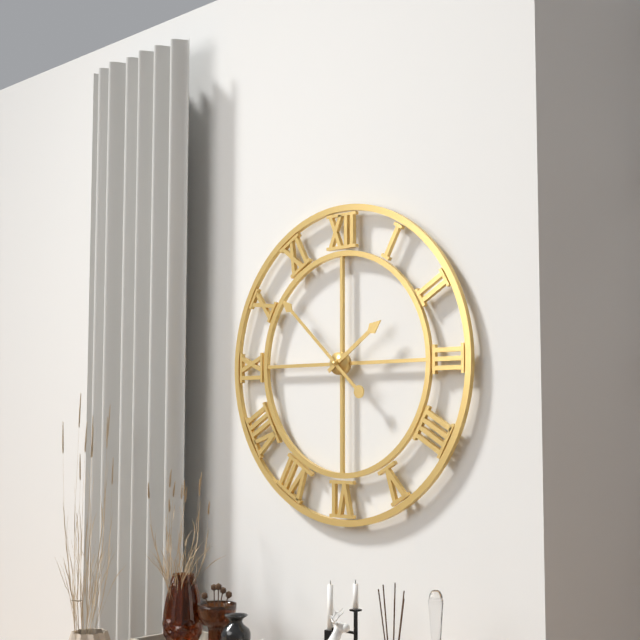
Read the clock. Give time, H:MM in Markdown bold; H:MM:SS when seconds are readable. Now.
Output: **1:52**
